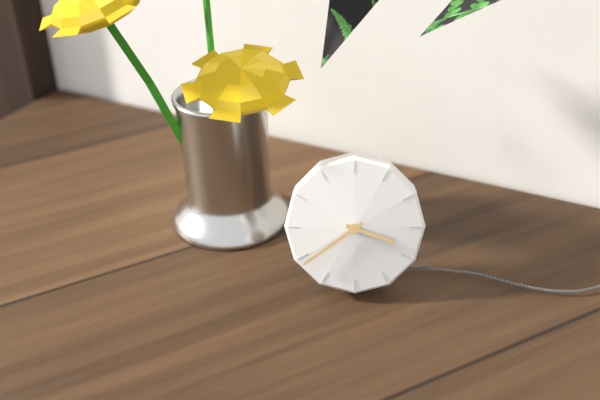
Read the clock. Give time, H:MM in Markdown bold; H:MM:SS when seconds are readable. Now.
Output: **3:39**
